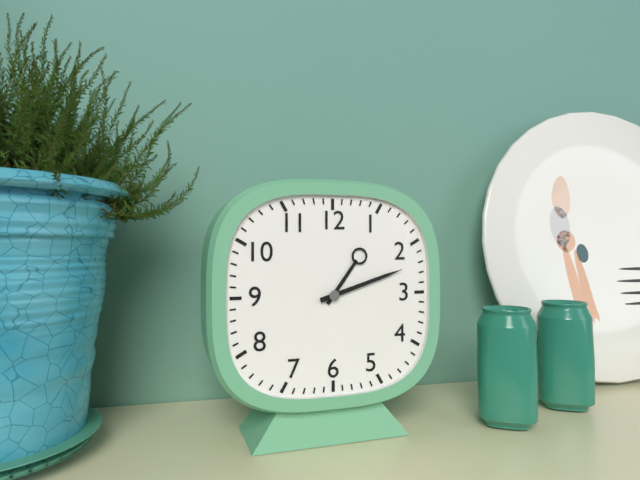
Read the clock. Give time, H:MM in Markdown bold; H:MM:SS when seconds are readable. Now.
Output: **1:12**
